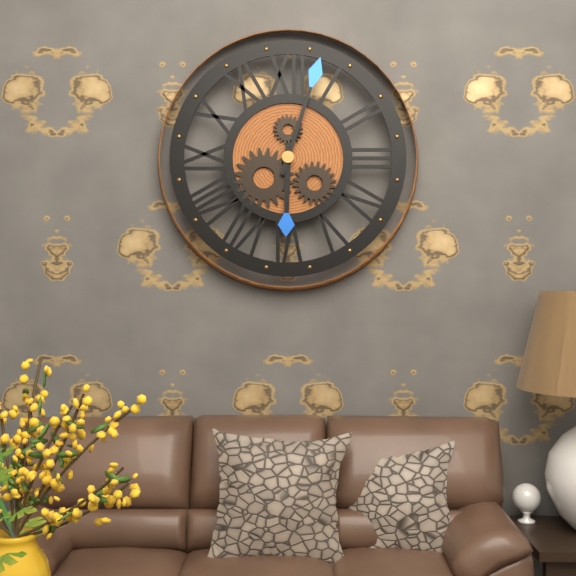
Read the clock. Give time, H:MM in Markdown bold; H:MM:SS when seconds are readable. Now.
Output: **6:03**
